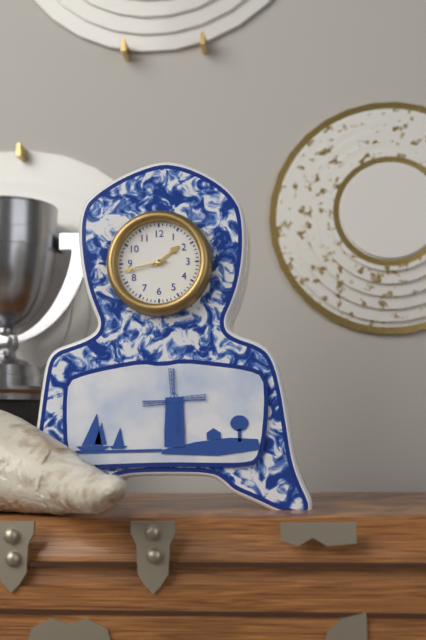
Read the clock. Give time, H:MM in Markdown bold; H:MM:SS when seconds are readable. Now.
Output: **1:43**
